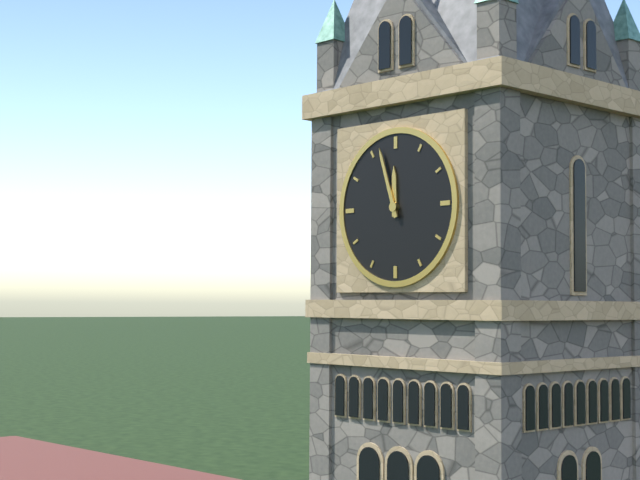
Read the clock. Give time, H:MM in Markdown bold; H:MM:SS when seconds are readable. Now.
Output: **11:57**
